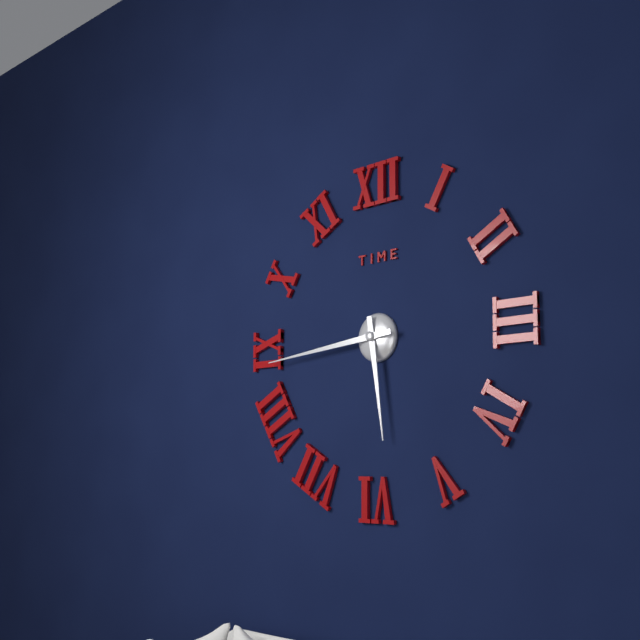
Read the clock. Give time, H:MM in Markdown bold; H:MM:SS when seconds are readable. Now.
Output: **5:44**
